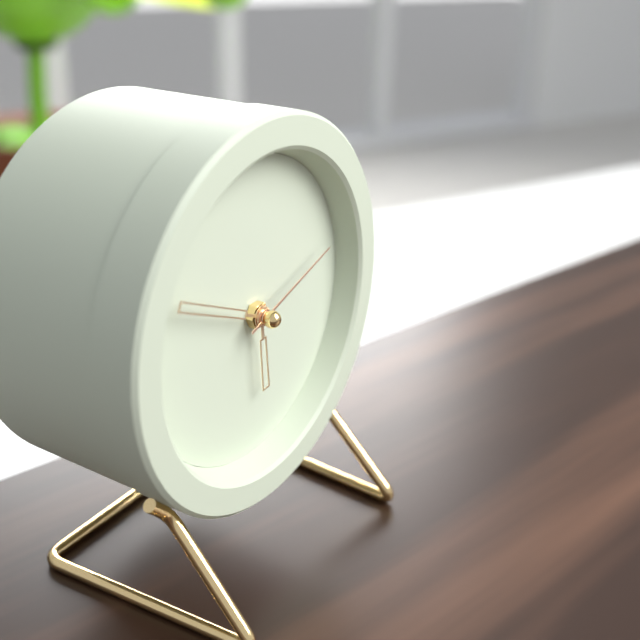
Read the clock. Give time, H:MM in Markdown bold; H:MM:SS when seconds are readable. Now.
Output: **5:49:12**
